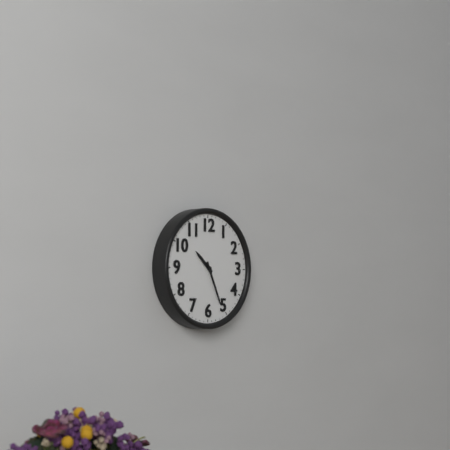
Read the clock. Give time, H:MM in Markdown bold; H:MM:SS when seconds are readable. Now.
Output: **10:26**
